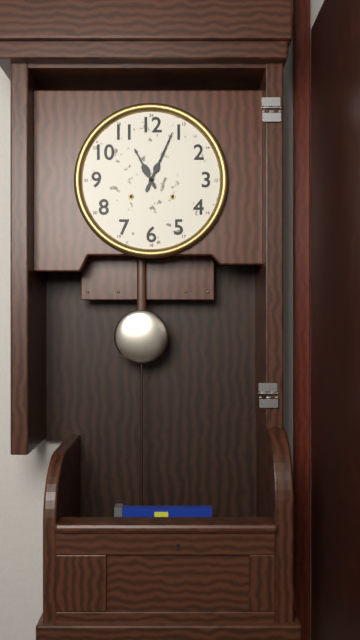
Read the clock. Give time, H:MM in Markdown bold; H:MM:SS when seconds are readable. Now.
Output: **11:04**
